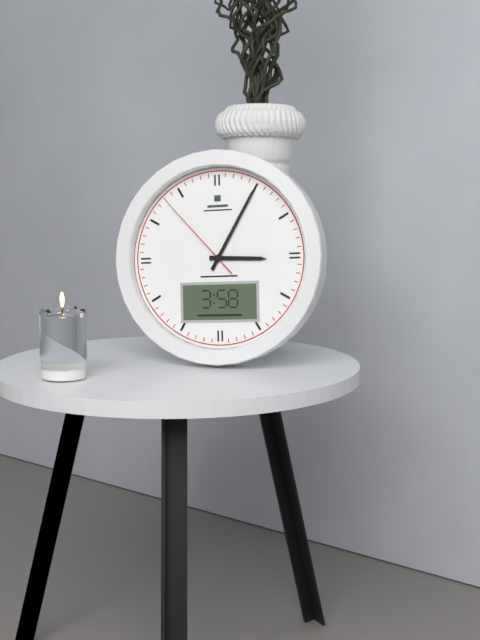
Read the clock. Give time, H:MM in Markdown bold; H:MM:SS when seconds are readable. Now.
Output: **3:05:53**
